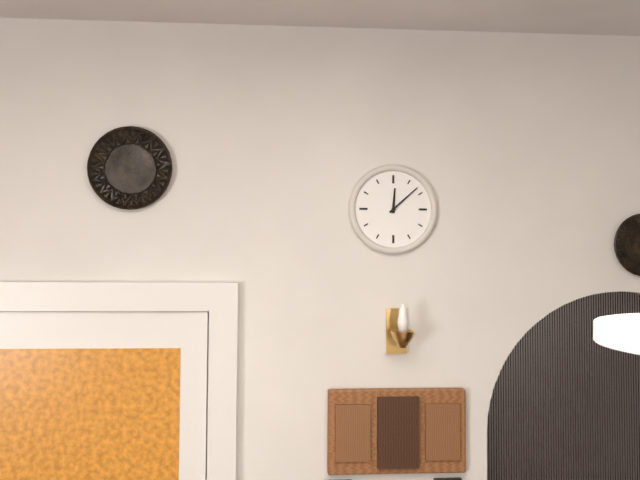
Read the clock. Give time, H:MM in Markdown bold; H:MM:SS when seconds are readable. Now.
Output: **12:08**
